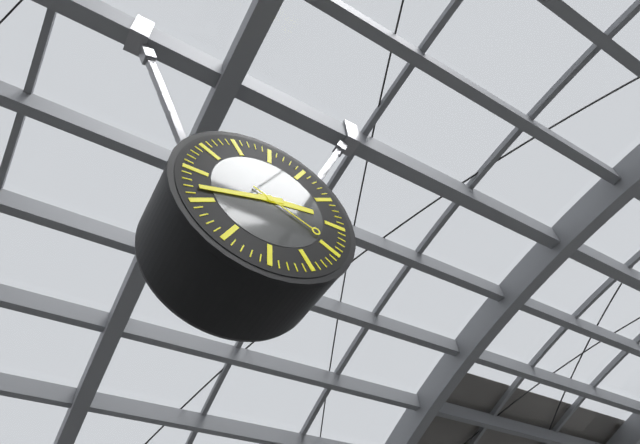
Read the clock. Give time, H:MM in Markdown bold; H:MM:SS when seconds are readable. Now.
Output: **2:42:19**
